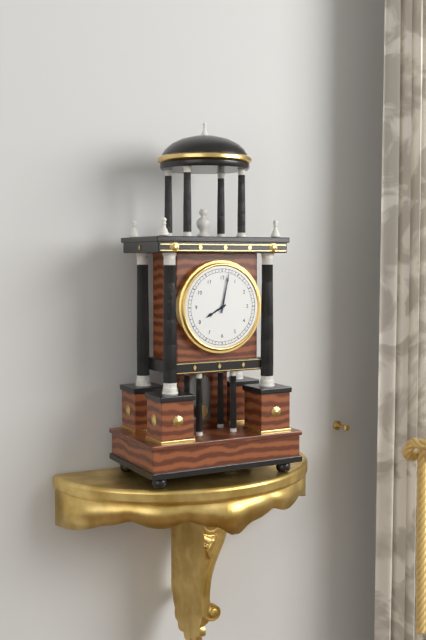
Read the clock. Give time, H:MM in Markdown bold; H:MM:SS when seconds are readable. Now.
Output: **8:02**
